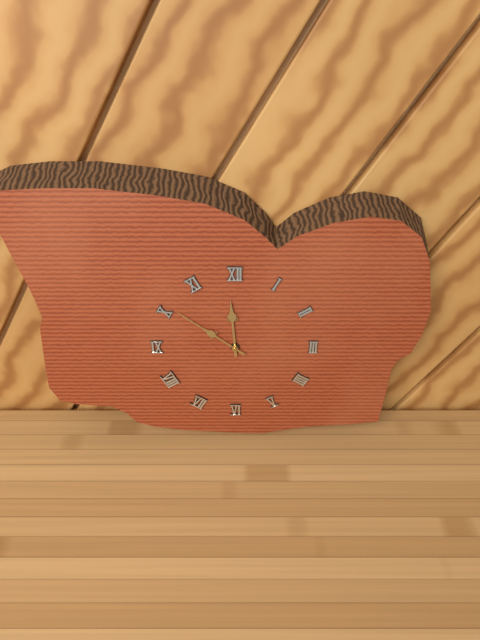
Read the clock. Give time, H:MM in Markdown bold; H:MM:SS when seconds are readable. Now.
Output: **11:51**
